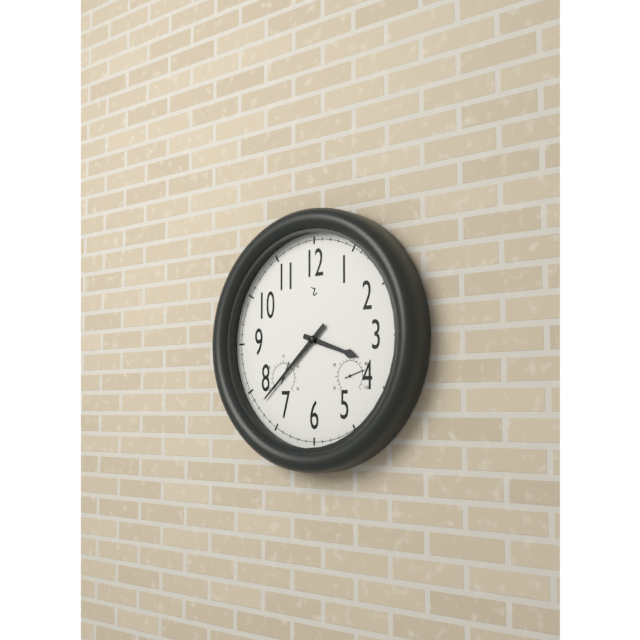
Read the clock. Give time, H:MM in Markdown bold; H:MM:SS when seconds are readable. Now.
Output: **3:38**
